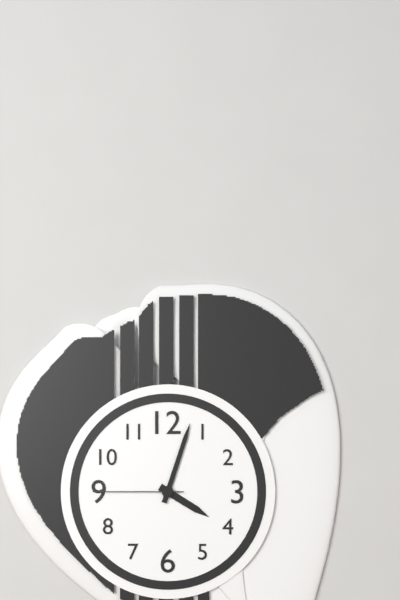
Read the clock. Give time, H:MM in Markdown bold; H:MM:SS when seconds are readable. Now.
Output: **4:03:45**
